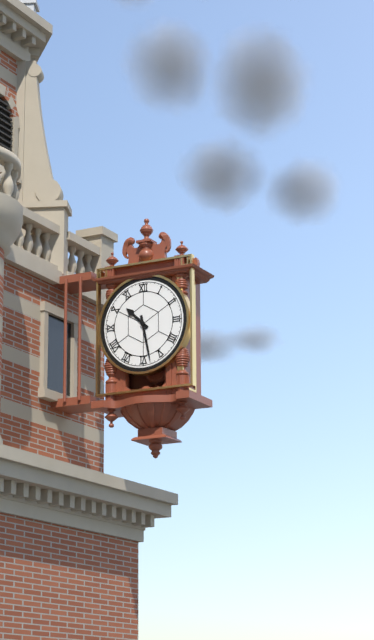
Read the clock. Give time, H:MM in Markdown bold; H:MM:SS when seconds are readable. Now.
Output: **10:28**
